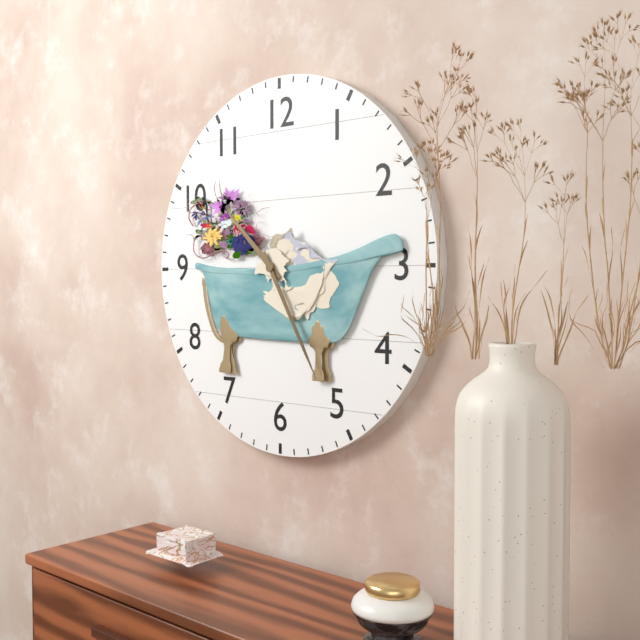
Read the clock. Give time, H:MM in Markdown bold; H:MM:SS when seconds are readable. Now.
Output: **10:25**
